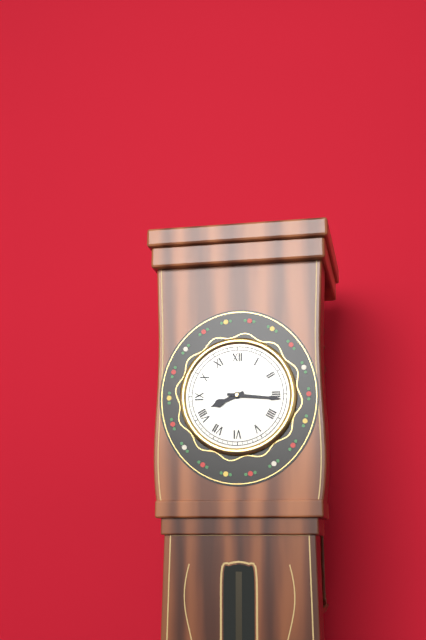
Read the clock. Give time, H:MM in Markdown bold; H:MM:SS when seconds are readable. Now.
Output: **8:16**
